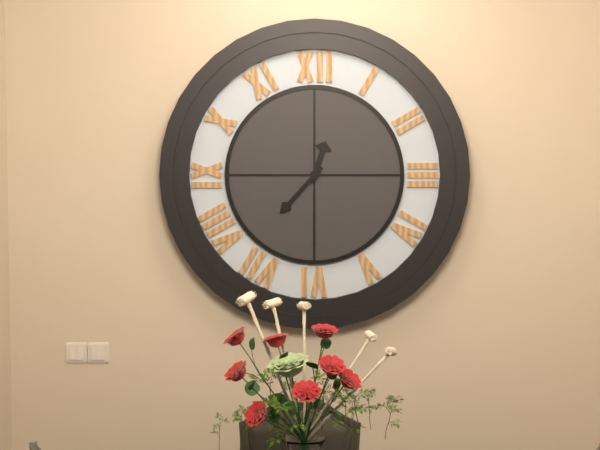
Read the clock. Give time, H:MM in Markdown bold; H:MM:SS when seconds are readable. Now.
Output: **12:37**
